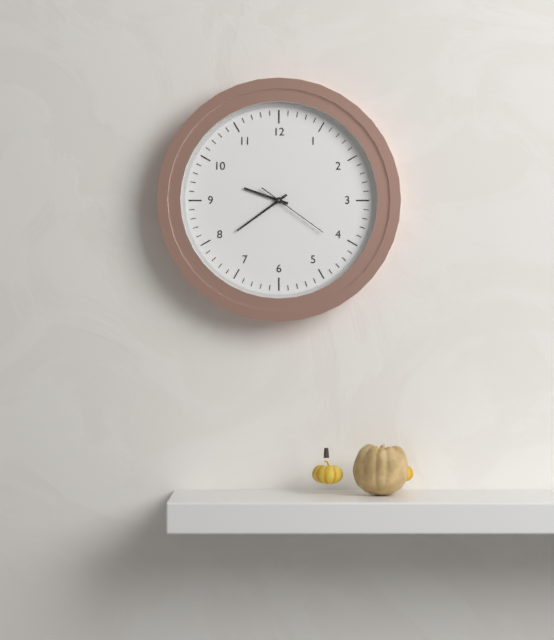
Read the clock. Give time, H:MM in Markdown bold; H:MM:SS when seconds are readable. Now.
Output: **9:39:21**
